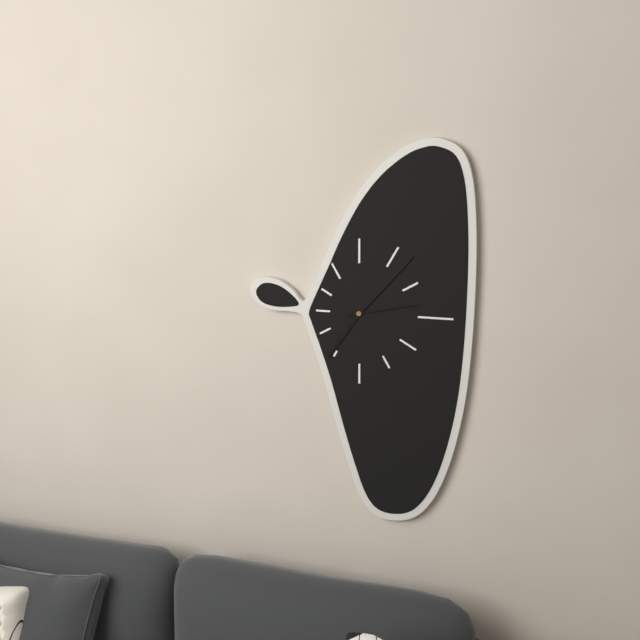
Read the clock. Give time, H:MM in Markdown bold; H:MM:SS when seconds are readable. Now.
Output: **7:07:13**
